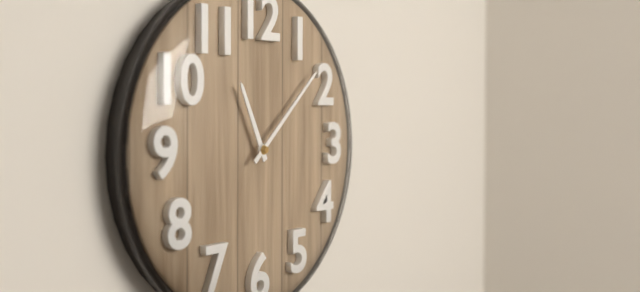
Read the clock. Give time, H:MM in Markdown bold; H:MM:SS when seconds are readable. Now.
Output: **11:08**
